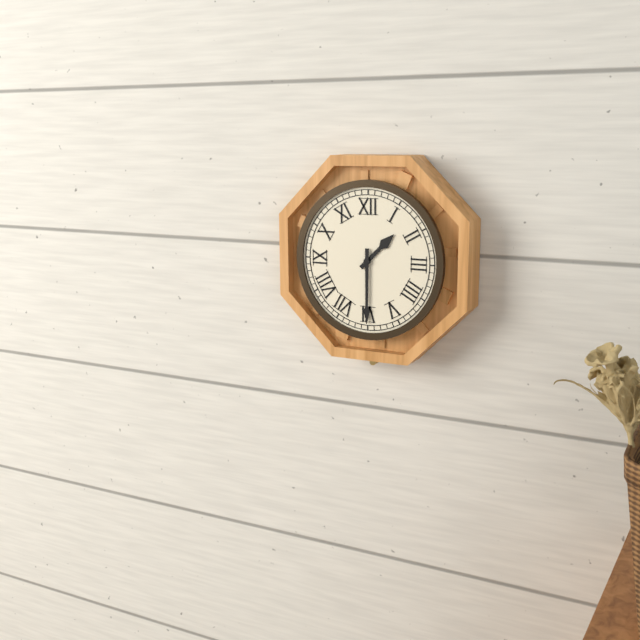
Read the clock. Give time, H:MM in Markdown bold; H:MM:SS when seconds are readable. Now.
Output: **1:30**
